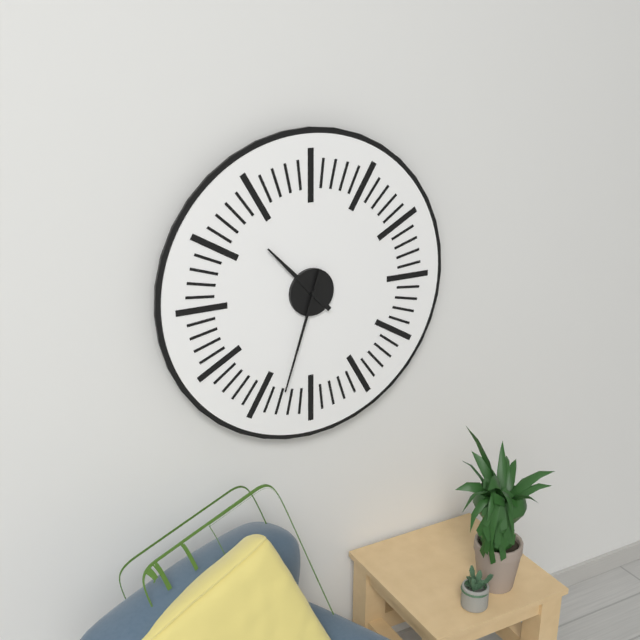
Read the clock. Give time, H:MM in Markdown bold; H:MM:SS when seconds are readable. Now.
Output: **10:33**
